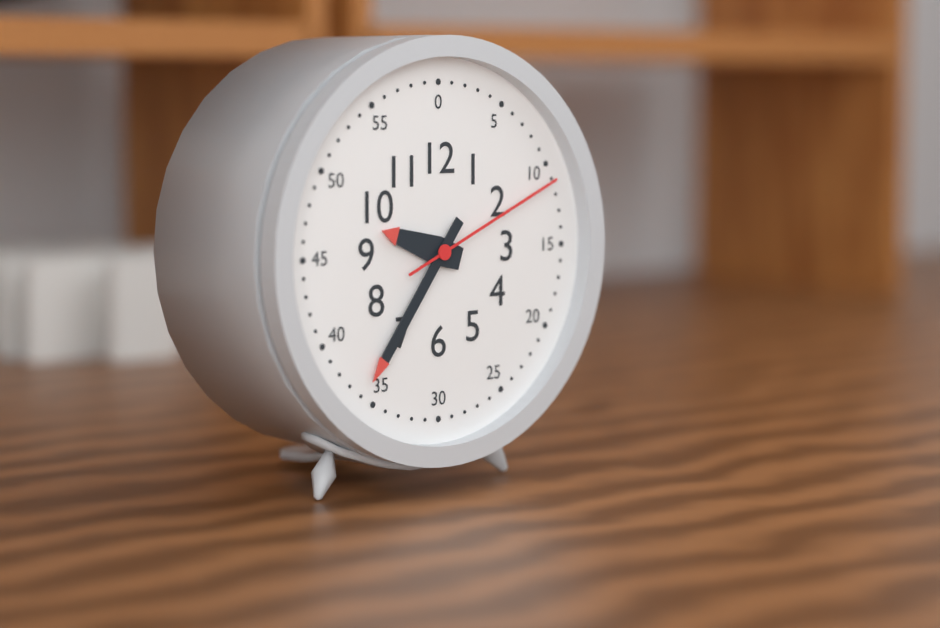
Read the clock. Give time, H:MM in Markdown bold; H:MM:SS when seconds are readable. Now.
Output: **9:36:11**
